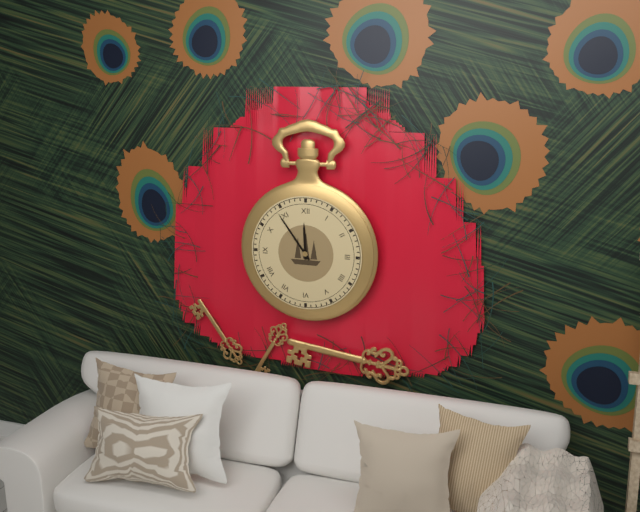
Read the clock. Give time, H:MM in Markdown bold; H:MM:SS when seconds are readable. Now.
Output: **11:54**
